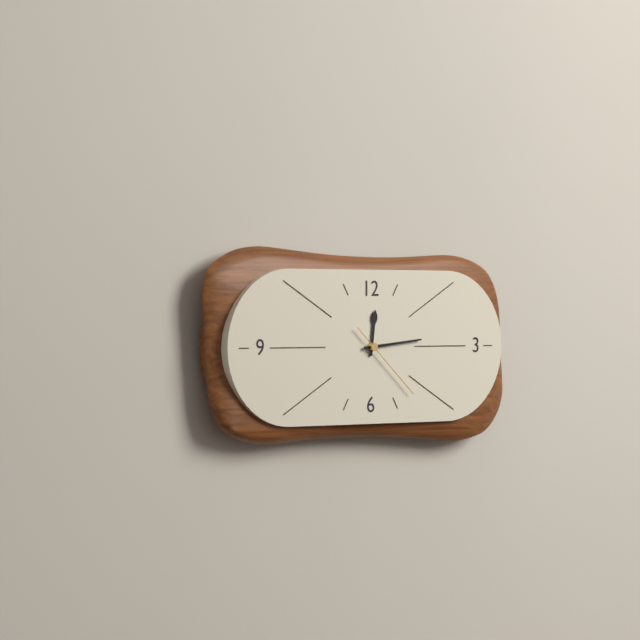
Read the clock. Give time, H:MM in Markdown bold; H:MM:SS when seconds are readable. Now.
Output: **12:14:22**
